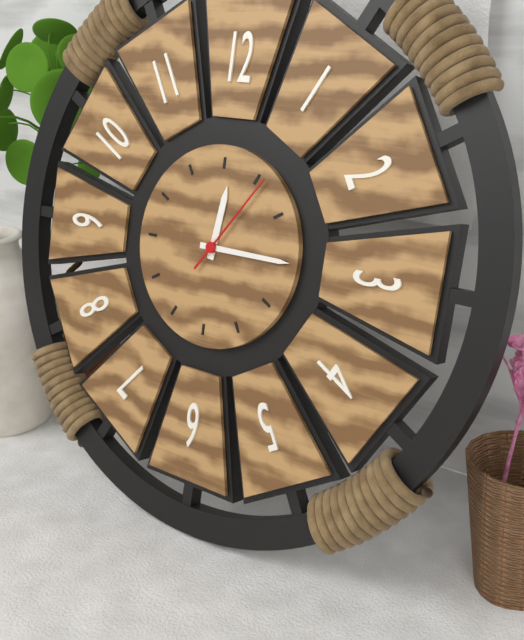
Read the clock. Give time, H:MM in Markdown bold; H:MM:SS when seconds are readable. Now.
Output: **12:15:06**
